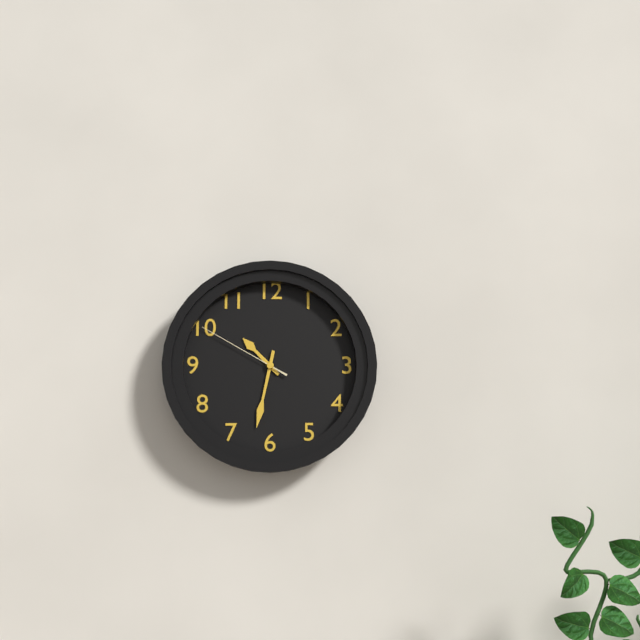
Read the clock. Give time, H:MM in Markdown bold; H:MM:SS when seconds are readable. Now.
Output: **10:32:50**
